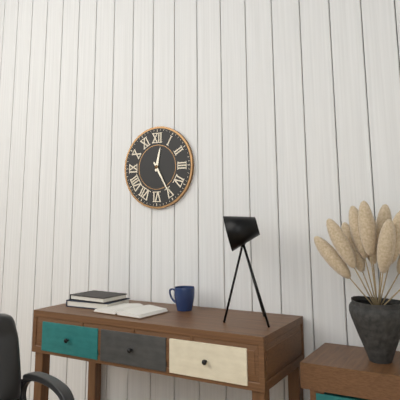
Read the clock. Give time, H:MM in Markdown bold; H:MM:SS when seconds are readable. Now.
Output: **12:25**
